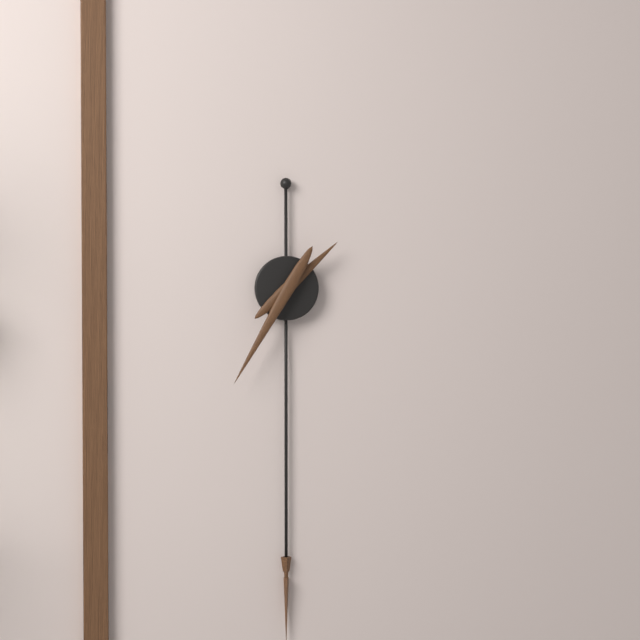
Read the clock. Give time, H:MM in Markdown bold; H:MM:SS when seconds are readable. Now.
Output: **1:35**
